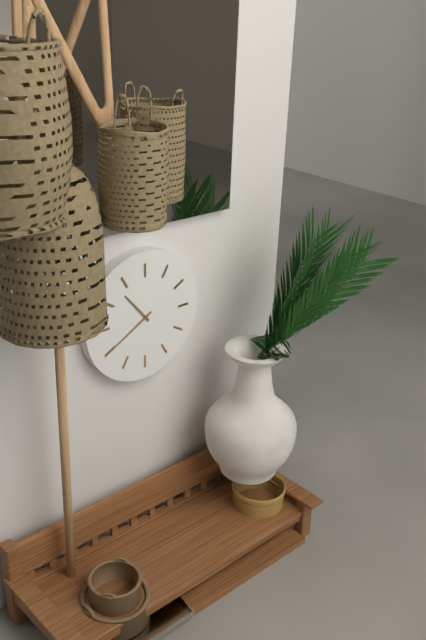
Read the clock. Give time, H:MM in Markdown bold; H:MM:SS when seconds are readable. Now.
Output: **10:40**
